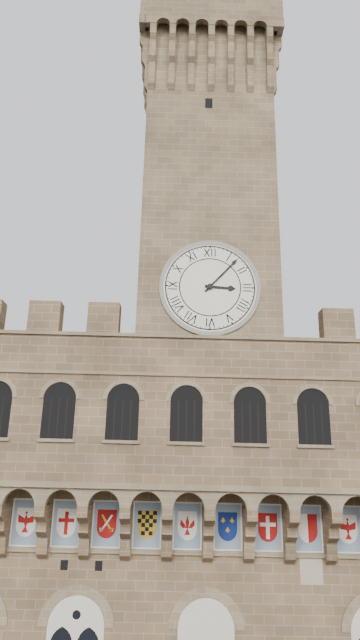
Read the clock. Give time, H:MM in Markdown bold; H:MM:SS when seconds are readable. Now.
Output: **3:07**
